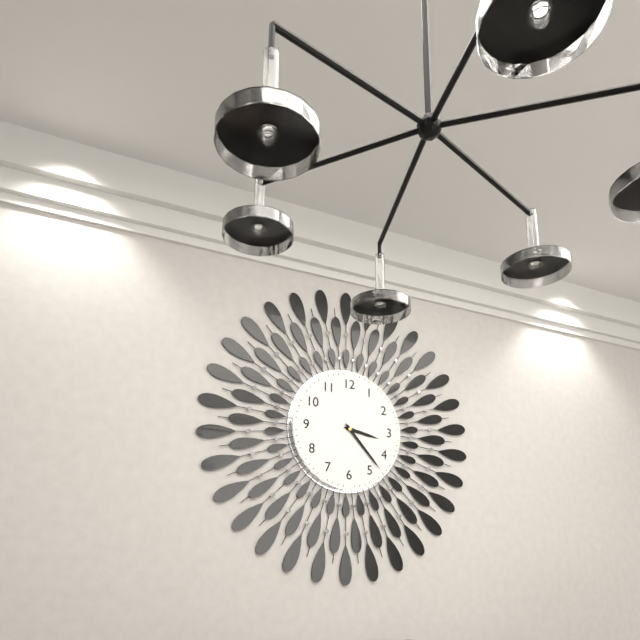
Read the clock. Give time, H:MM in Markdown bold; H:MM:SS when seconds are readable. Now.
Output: **3:23**
